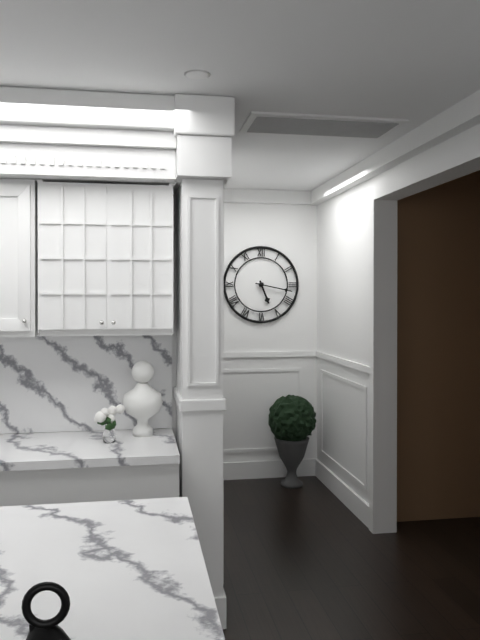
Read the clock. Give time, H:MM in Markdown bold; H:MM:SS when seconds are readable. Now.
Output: **5:17**
